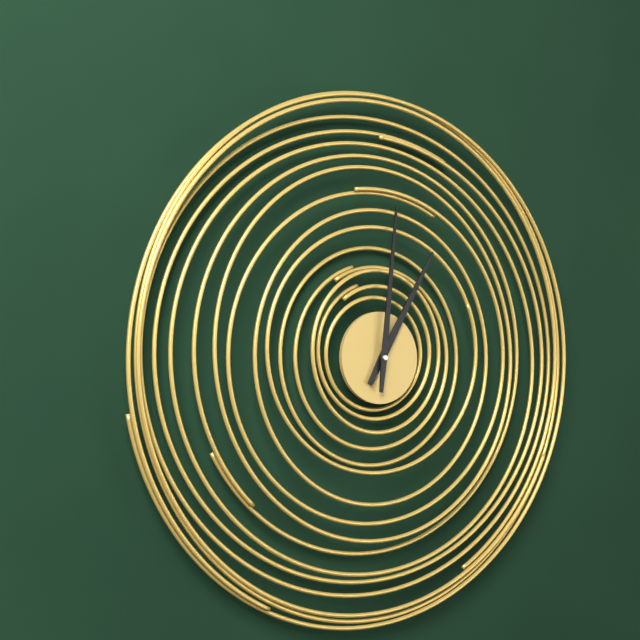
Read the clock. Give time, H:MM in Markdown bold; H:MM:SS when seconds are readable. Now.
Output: **1:01**
